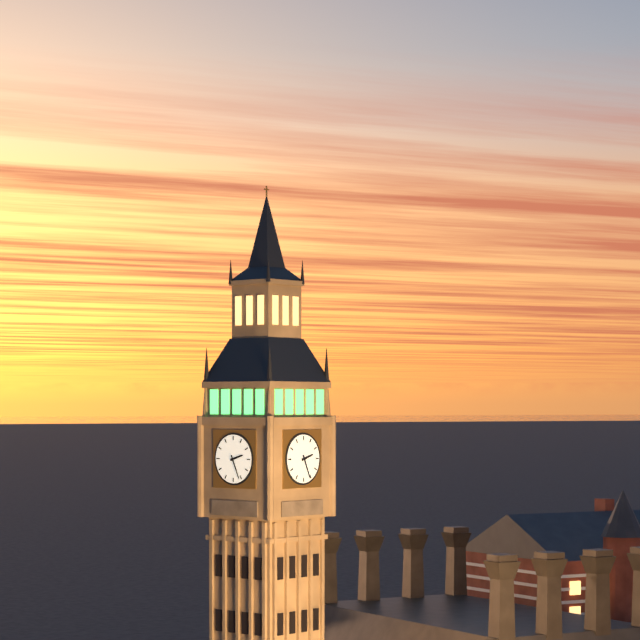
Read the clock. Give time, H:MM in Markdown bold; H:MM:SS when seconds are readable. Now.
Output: **2:26**
